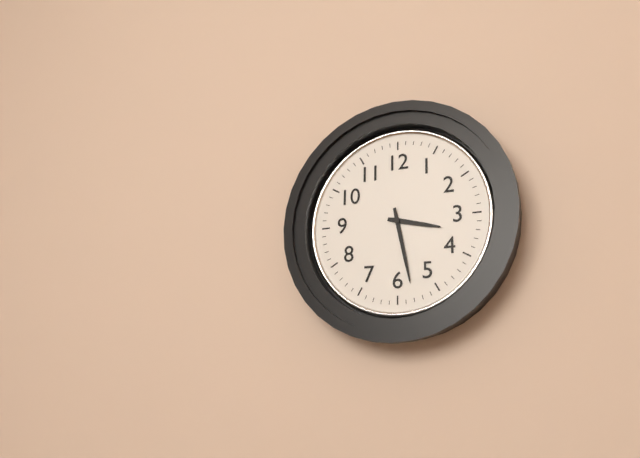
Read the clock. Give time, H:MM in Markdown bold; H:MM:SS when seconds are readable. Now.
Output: **3:28**
